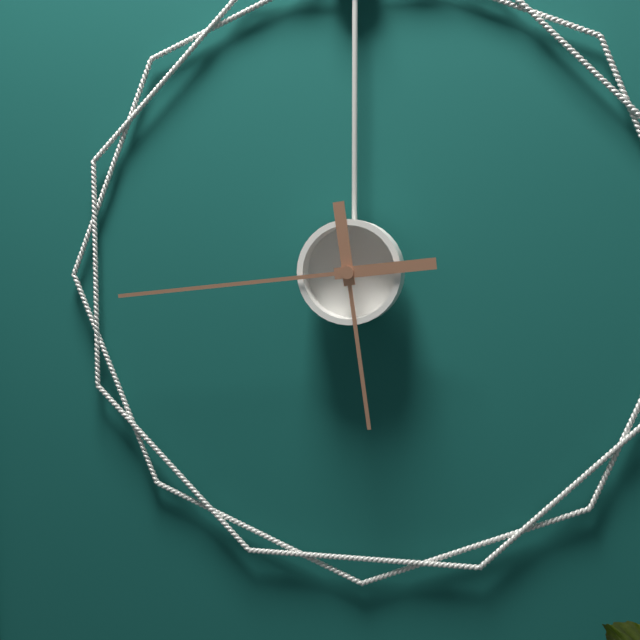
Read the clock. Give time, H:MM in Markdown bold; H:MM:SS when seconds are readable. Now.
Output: **5:44**
